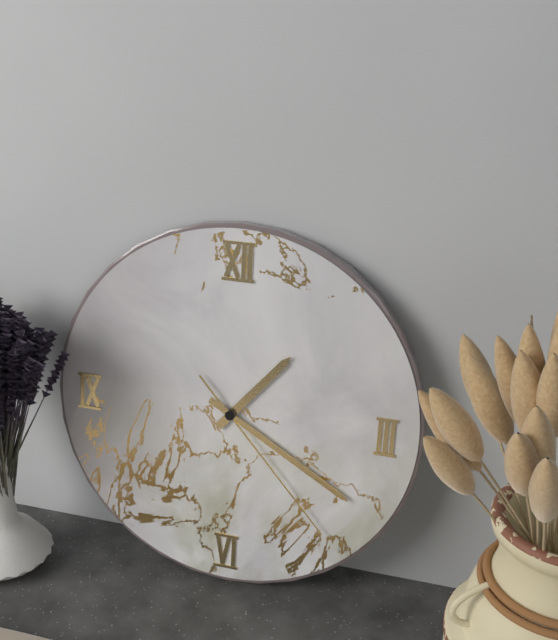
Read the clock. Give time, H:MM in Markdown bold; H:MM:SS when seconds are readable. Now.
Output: **1:20:23**
